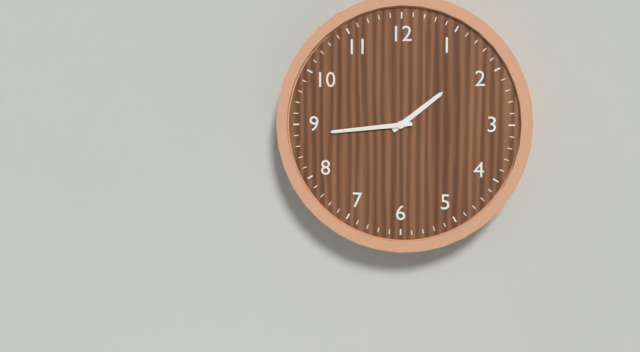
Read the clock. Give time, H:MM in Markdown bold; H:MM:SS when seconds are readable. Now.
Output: **1:44**
